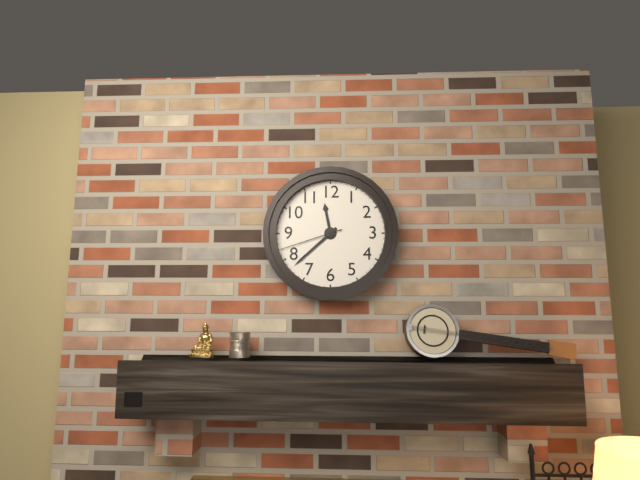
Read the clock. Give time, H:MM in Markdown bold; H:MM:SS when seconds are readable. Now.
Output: **11:38:42**
